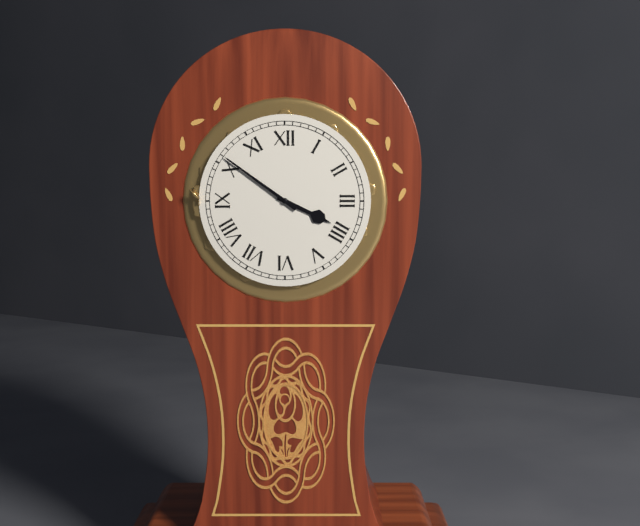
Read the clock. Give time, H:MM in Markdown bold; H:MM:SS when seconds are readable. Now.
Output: **3:51**
